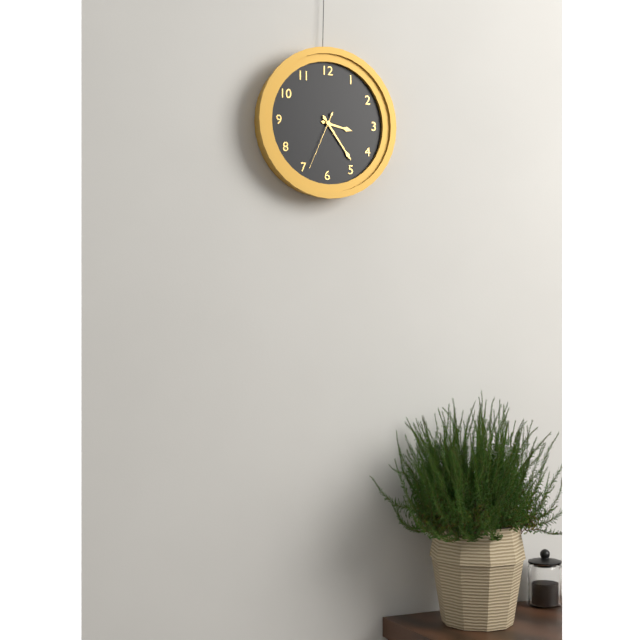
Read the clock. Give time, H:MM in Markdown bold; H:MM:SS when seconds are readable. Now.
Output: **3:24:34**
